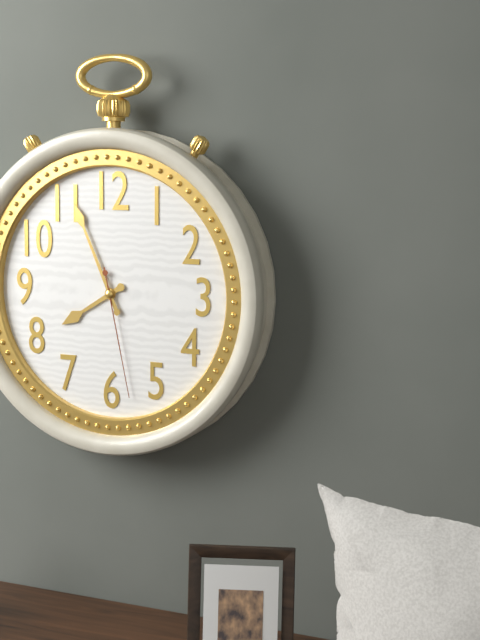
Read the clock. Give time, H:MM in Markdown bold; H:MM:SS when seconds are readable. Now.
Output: **7:56:28**
